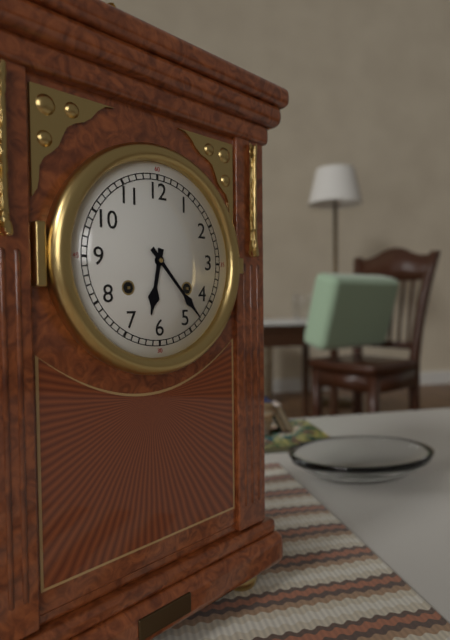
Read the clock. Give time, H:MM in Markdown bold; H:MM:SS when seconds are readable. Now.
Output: **6:23**
